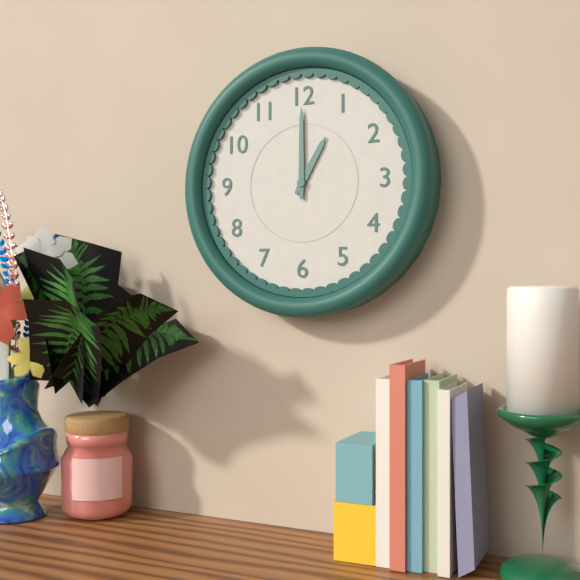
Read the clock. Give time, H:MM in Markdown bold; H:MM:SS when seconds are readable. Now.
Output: **1:00**
